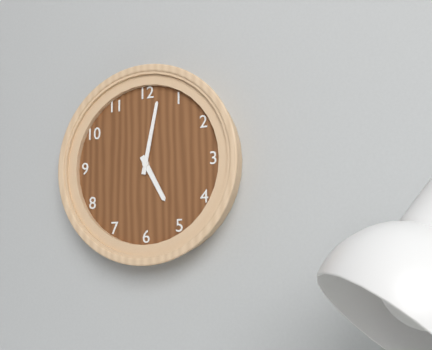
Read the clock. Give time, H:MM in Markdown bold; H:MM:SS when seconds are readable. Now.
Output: **5:02**
